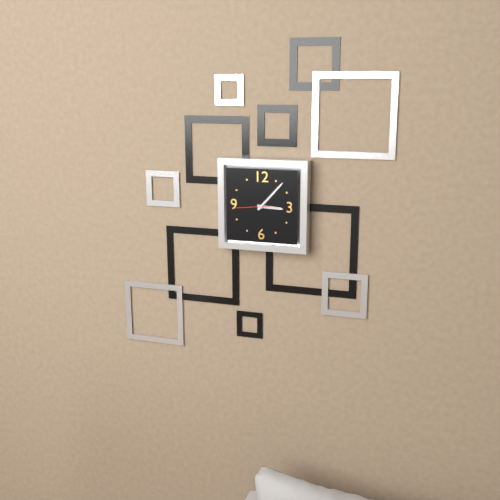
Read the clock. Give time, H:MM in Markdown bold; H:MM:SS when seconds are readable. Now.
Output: **3:07**
